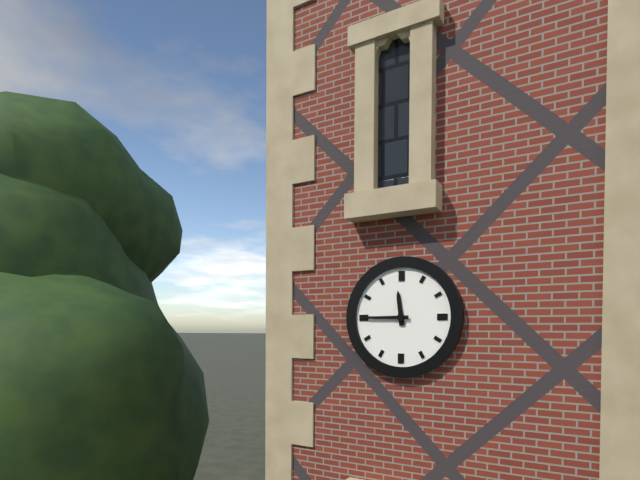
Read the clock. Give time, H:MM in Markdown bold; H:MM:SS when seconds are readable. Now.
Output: **11:45**
